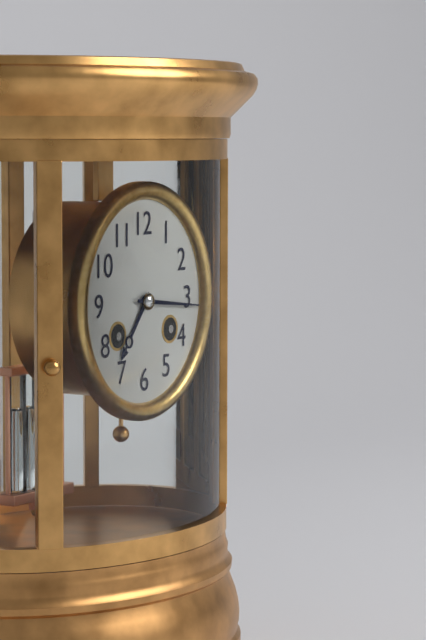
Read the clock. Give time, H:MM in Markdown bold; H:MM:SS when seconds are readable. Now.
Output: **7:16**
